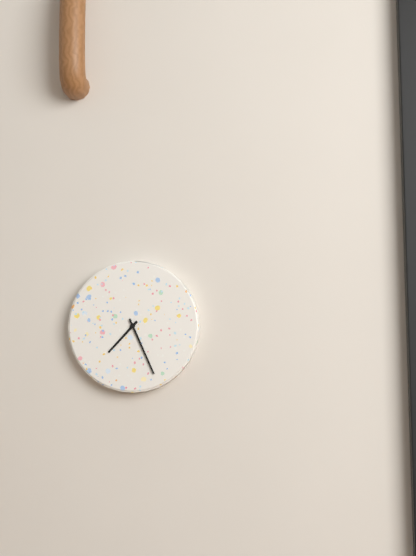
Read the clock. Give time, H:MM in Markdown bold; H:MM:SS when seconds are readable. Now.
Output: **7:26**
